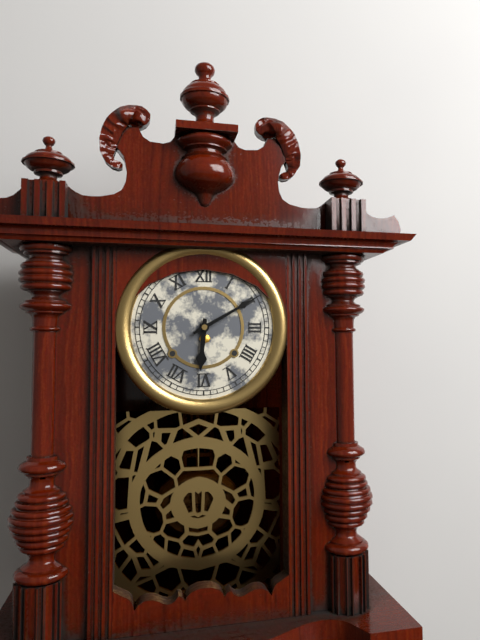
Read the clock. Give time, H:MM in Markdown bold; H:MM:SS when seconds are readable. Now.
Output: **6:10**
